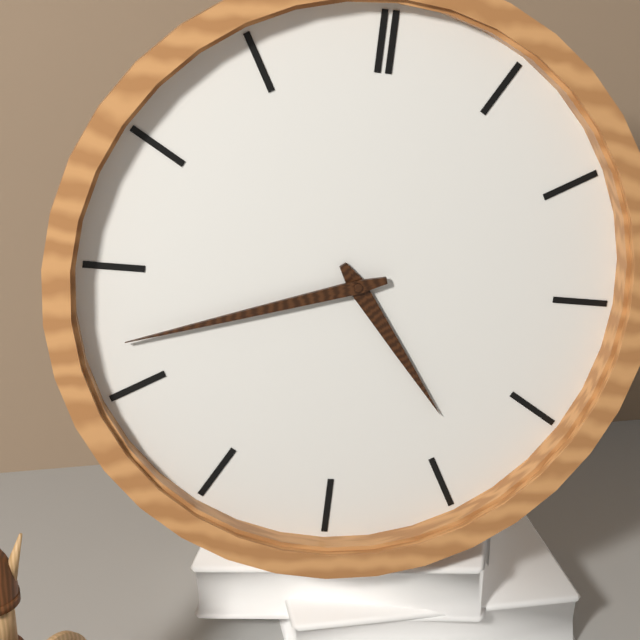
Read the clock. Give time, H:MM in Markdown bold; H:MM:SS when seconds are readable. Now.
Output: **4:42**
